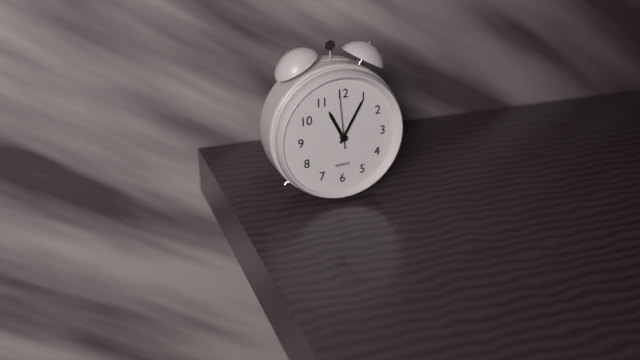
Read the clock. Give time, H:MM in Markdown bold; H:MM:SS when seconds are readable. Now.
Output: **11:05:59**
